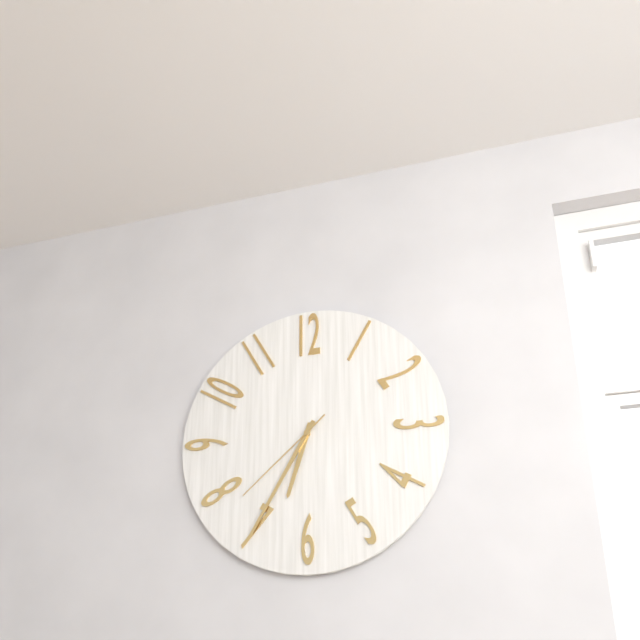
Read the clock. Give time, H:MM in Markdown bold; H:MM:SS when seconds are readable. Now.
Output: **6:35:38**
